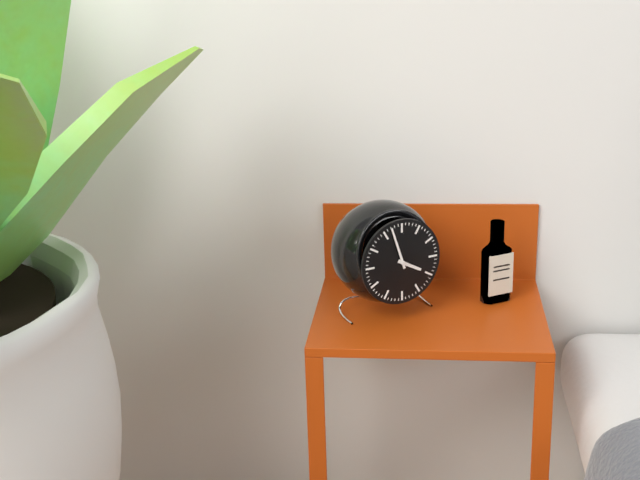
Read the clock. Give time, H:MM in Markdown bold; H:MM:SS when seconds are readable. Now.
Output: **3:57**
